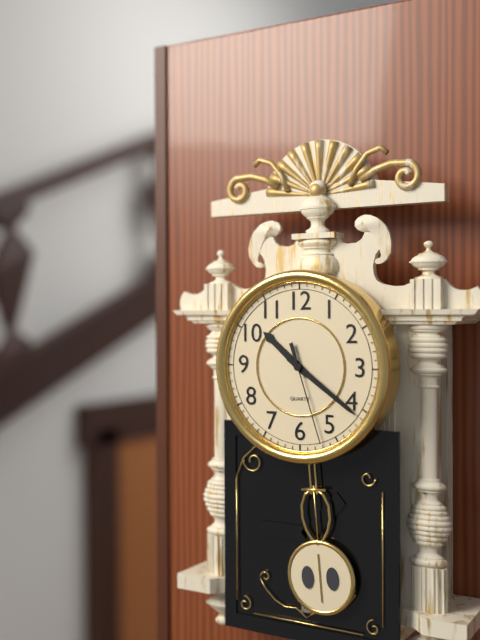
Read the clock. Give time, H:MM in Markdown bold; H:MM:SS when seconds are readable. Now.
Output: **10:21:27**
